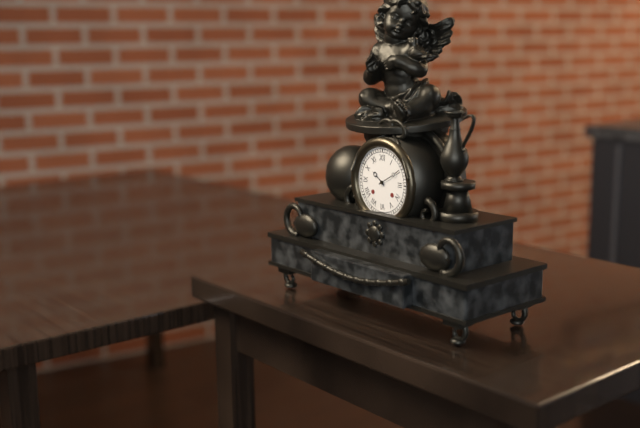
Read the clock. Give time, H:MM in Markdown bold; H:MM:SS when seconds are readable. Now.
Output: **10:10**
